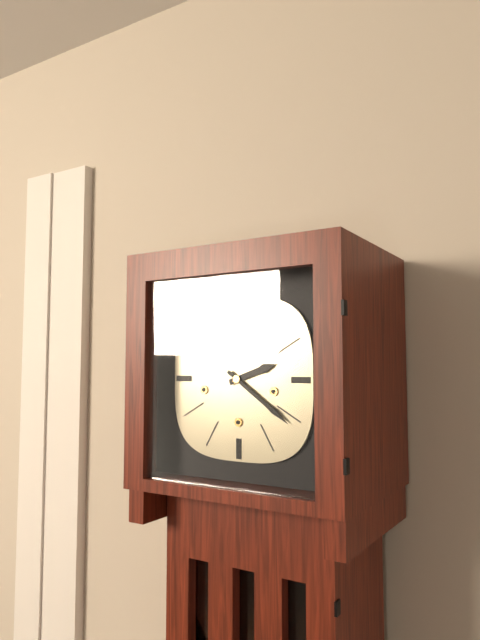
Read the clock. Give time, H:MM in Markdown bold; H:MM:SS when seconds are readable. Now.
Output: **2:21**
